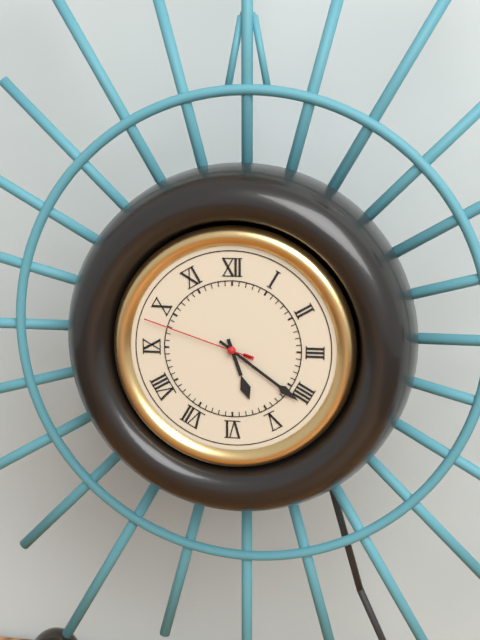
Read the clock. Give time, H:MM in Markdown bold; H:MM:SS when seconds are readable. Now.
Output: **5:21:48**
